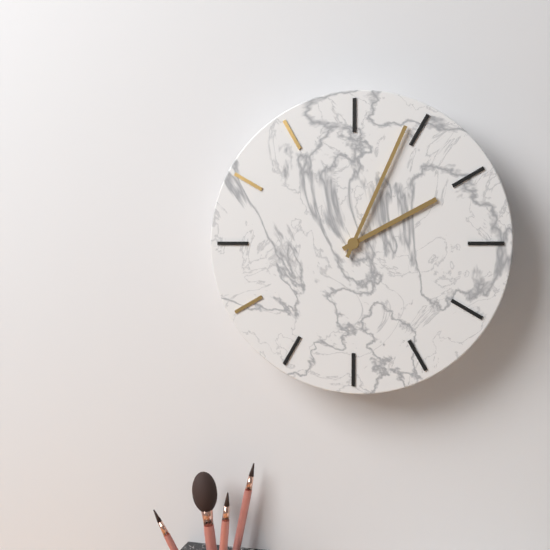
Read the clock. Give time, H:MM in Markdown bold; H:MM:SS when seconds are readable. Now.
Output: **2:04**
